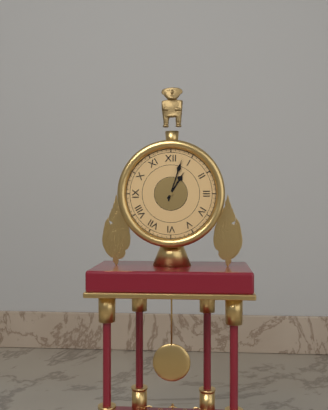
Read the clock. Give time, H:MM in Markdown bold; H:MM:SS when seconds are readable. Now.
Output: **1:03**
